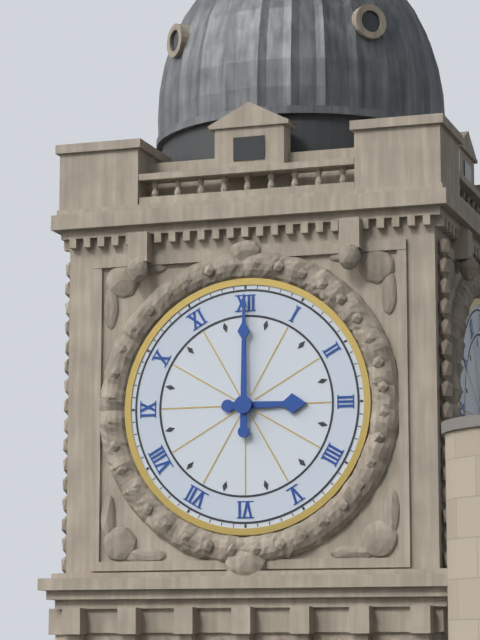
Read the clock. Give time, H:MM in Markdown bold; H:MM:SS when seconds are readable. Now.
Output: **3:00**
